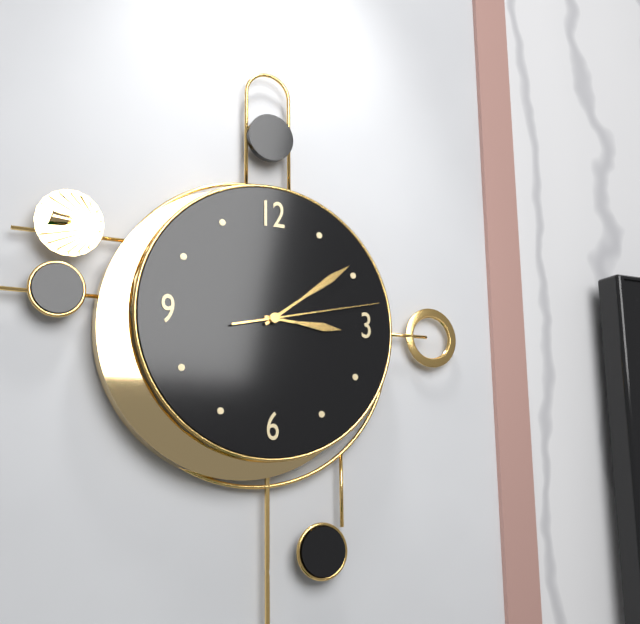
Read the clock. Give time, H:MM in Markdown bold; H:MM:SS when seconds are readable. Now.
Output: **3:09:13**
